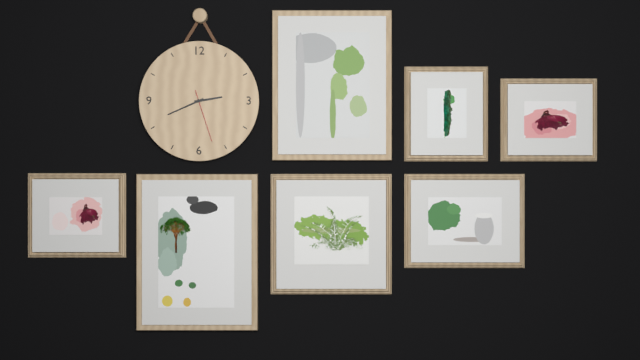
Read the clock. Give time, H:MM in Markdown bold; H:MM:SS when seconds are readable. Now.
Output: **2:41:27**
